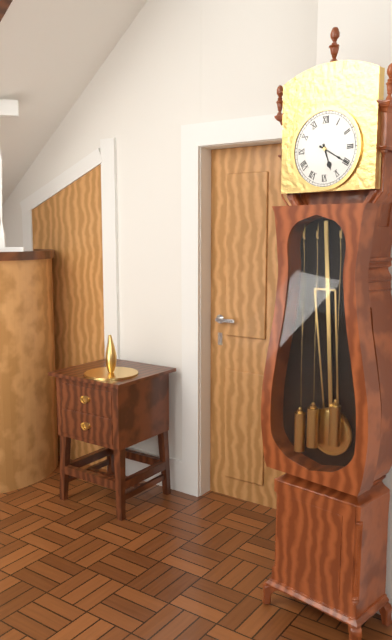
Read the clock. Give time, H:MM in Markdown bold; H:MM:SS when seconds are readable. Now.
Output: **5:20**
